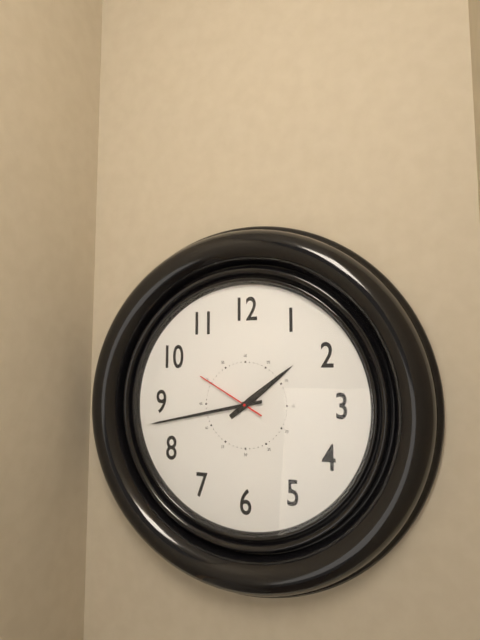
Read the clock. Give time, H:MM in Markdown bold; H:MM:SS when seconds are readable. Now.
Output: **1:43:50**
